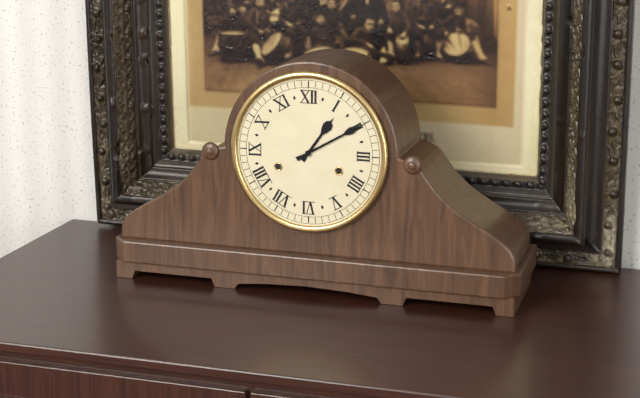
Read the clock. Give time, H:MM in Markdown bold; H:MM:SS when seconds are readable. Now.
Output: **1:10**
